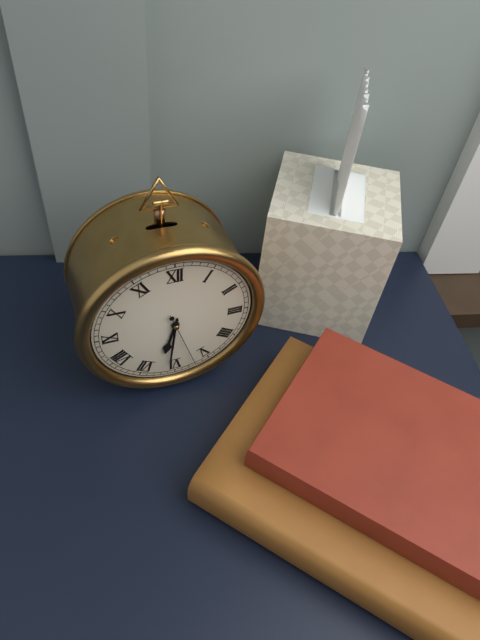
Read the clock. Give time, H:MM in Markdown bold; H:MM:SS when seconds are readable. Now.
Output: **6:31:27**
